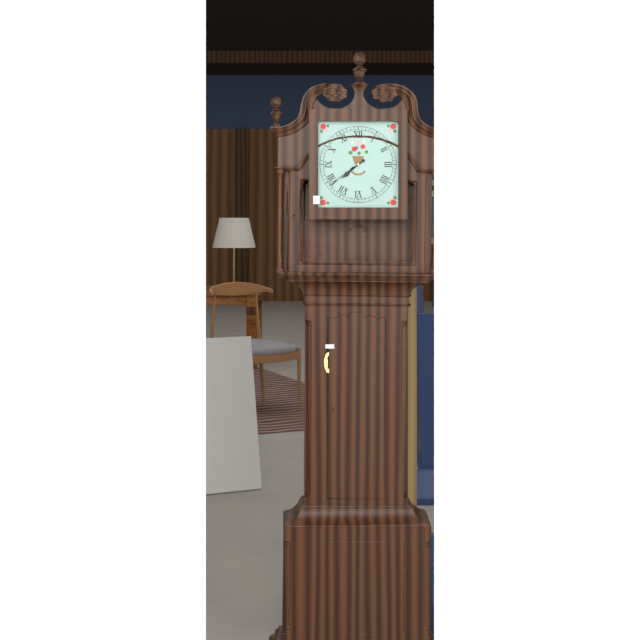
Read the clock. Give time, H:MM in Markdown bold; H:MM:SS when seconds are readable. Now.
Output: **7:39**
